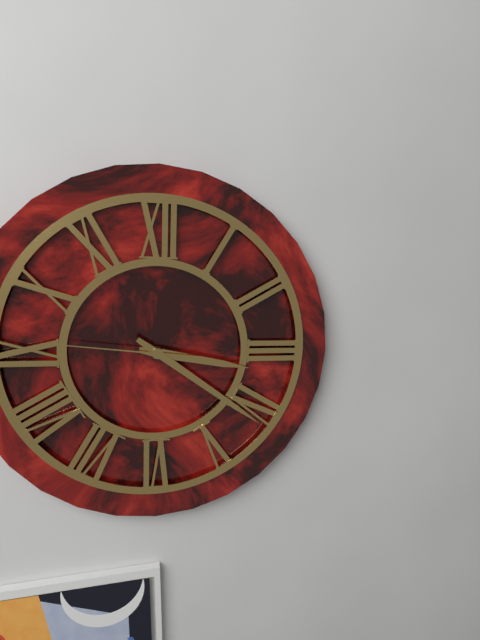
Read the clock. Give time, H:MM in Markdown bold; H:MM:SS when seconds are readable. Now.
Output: **3:21:46**
